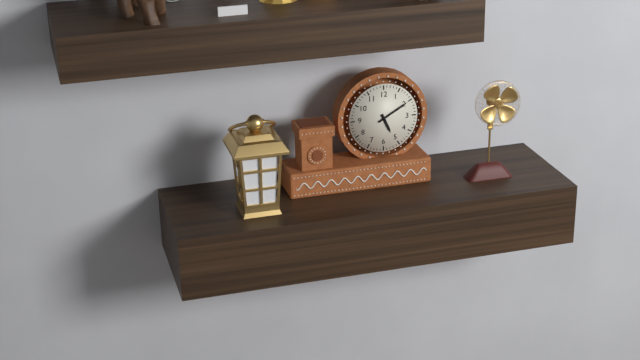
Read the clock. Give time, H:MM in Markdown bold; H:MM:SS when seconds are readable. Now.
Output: **5:10**
